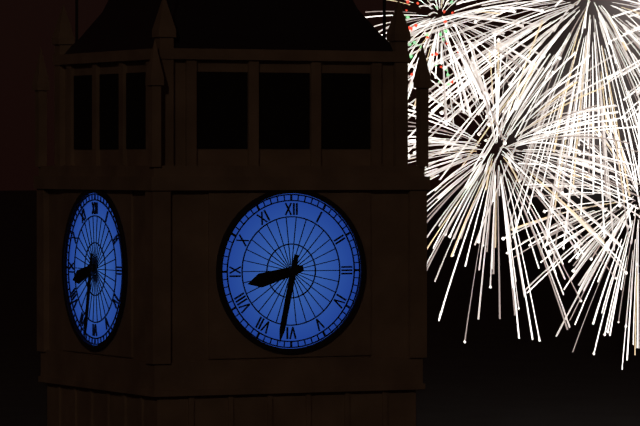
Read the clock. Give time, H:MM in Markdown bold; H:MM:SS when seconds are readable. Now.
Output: **8:32**
